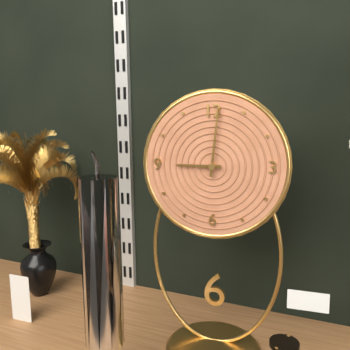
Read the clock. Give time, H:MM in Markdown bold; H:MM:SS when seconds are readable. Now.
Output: **9:01**
